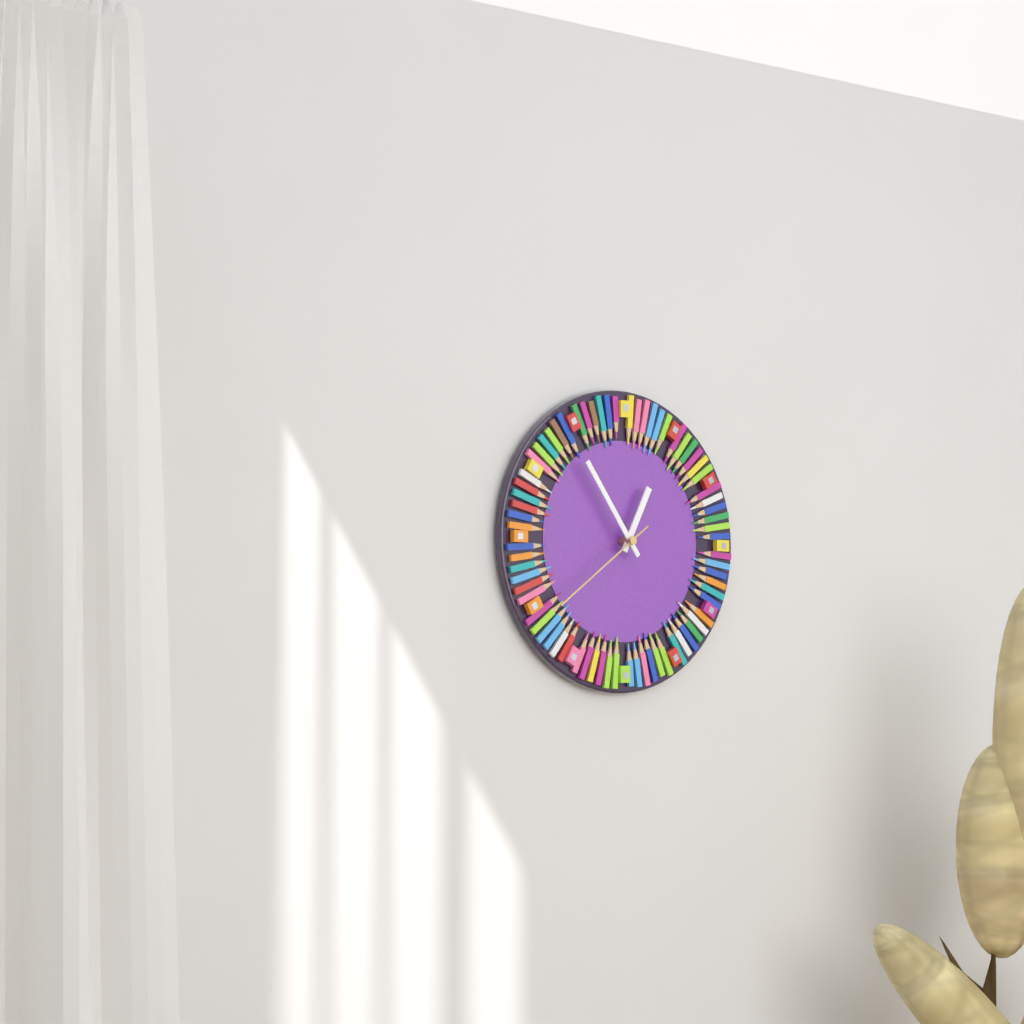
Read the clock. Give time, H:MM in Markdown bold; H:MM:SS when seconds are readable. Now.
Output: **12:54:39**
